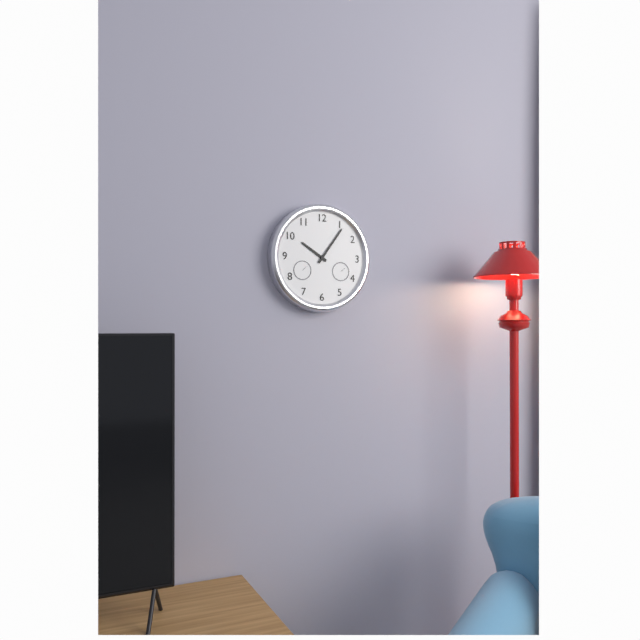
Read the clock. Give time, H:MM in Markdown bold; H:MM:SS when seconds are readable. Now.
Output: **10:06**
